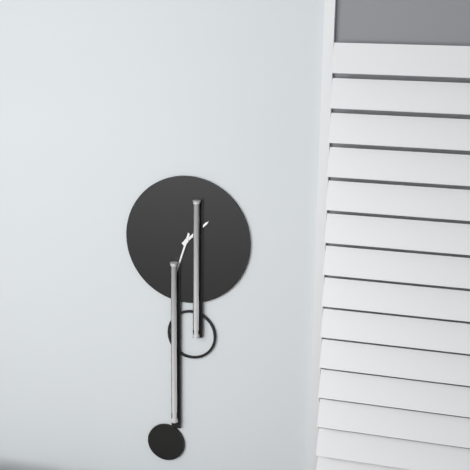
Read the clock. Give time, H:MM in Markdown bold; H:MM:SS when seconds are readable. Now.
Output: **1:33**
